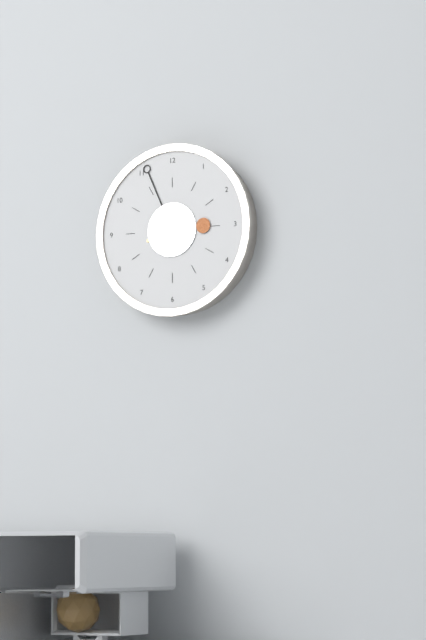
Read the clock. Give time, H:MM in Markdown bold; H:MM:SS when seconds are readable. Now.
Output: **2:56**
